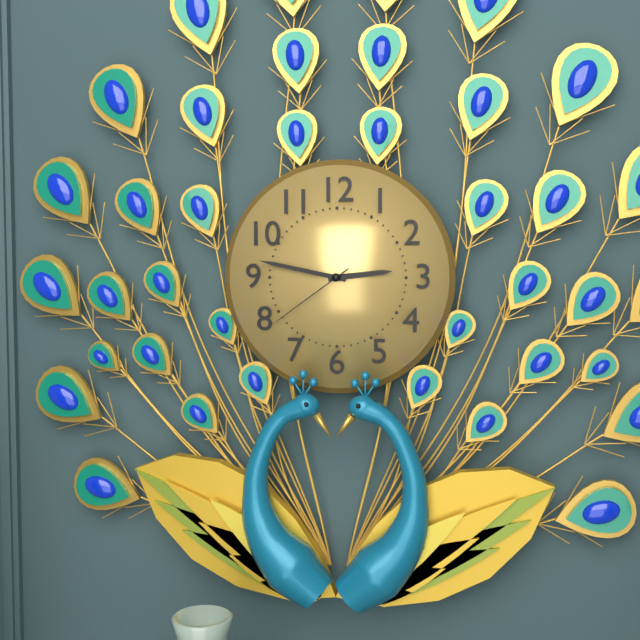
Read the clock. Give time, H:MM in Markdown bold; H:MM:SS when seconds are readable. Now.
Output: **2:47:39**
